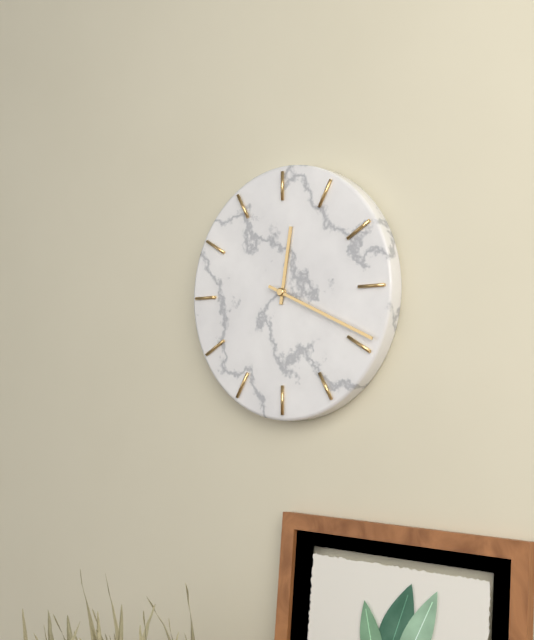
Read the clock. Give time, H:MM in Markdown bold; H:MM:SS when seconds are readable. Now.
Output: **12:19**
